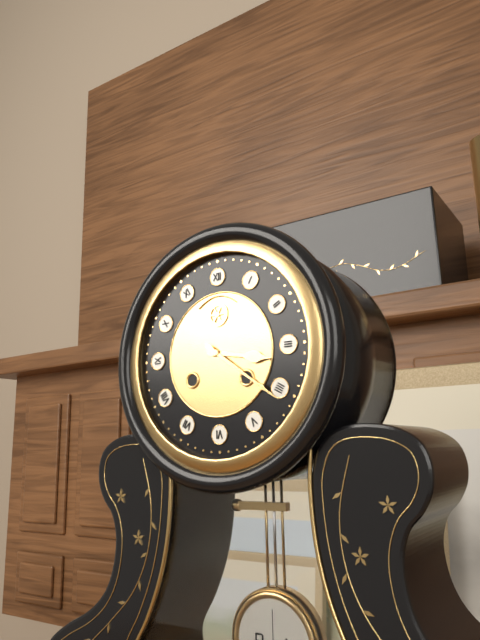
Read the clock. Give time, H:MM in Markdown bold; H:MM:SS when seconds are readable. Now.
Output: **3:21**
